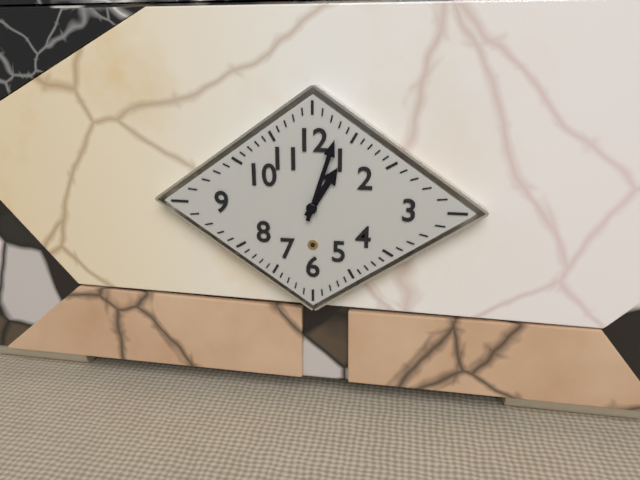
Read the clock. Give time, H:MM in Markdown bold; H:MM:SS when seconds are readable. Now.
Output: **1:03**
